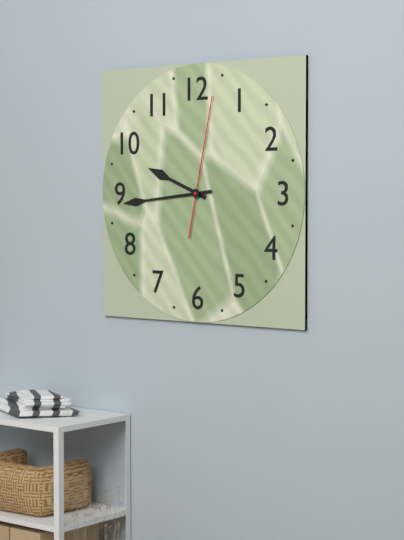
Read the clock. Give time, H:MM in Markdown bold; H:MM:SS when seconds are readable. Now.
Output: **9:44:02**
